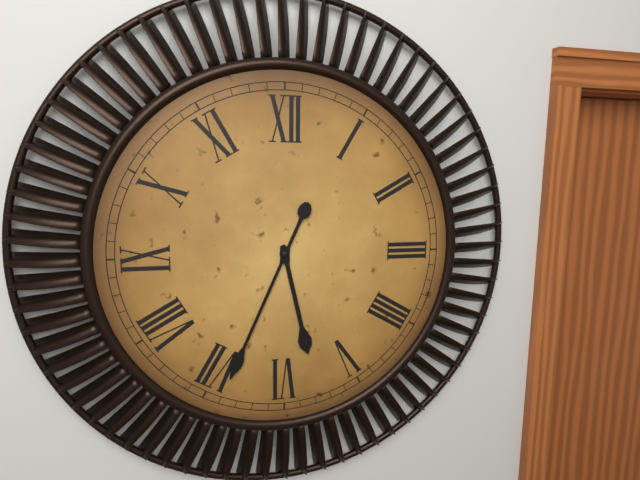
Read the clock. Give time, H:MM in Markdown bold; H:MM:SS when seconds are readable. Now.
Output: **5:34**
